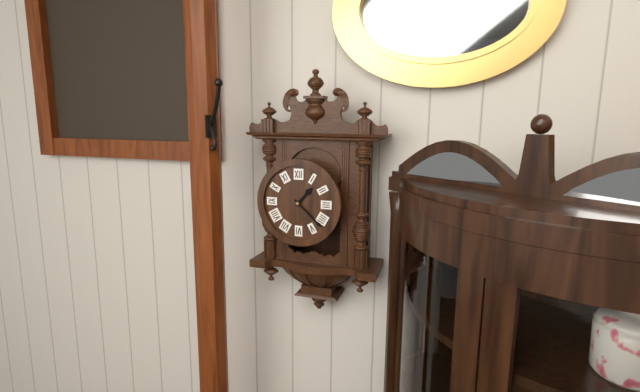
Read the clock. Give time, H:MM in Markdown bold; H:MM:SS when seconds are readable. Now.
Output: **1:22**
